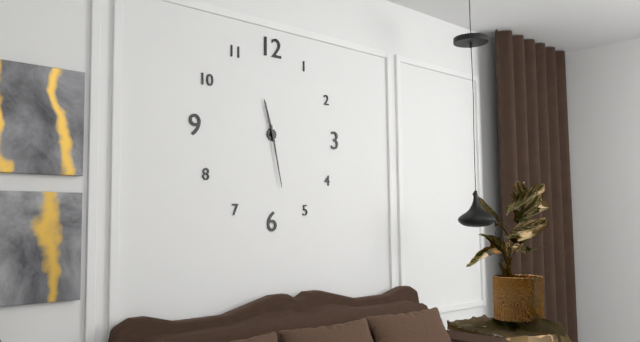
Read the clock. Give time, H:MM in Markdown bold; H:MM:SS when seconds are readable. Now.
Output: **11:28**
